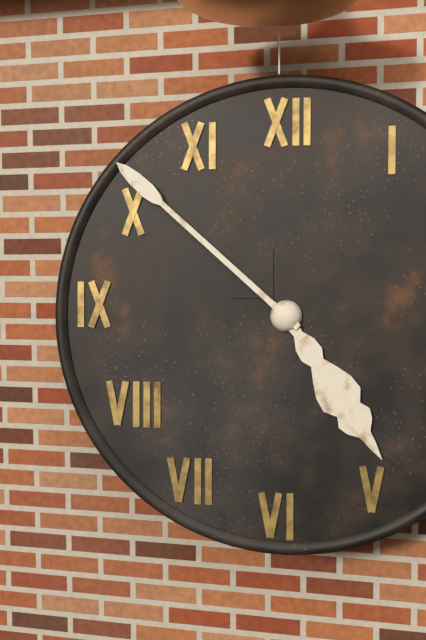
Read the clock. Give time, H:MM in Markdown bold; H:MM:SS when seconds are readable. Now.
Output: **4:52**
